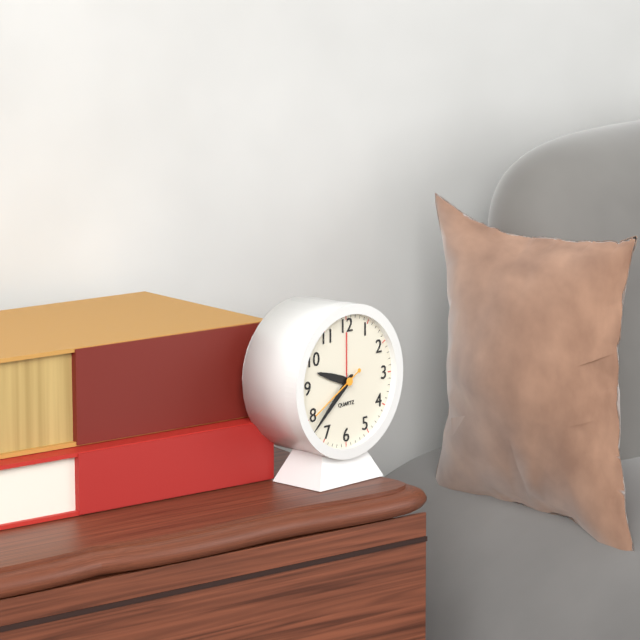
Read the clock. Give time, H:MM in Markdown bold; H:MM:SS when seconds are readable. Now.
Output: **9:38:40**
